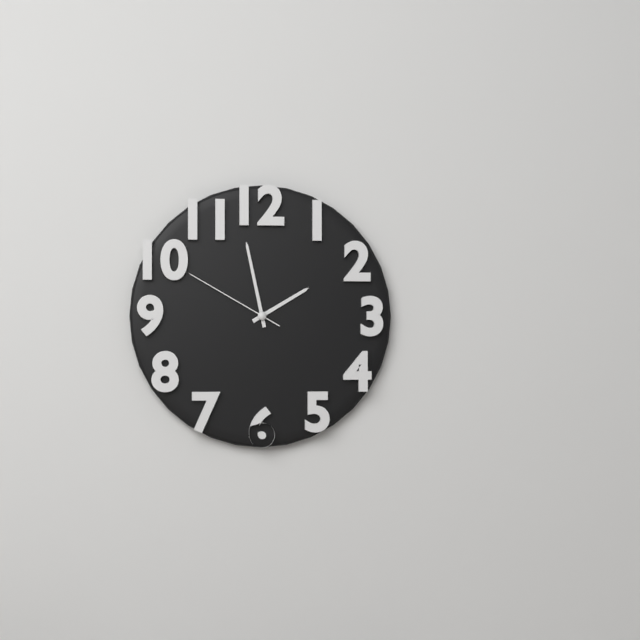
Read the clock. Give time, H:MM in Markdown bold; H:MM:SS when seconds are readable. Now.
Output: **1:58:50**
